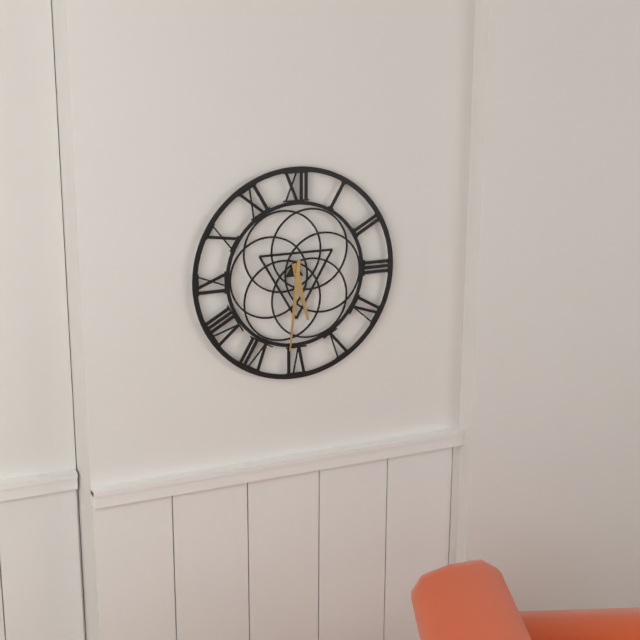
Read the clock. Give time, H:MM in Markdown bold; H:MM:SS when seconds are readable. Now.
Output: **5:31**
